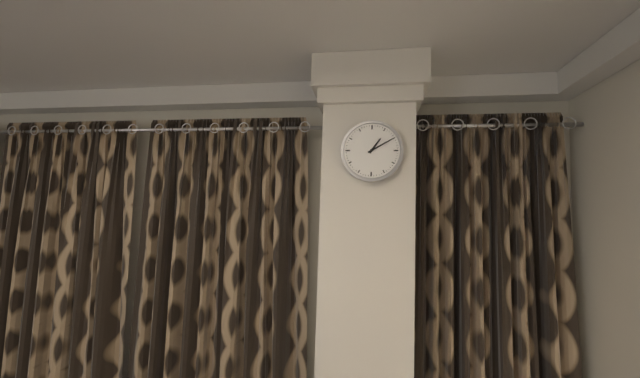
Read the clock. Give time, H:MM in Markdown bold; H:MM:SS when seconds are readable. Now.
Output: **1:10**
